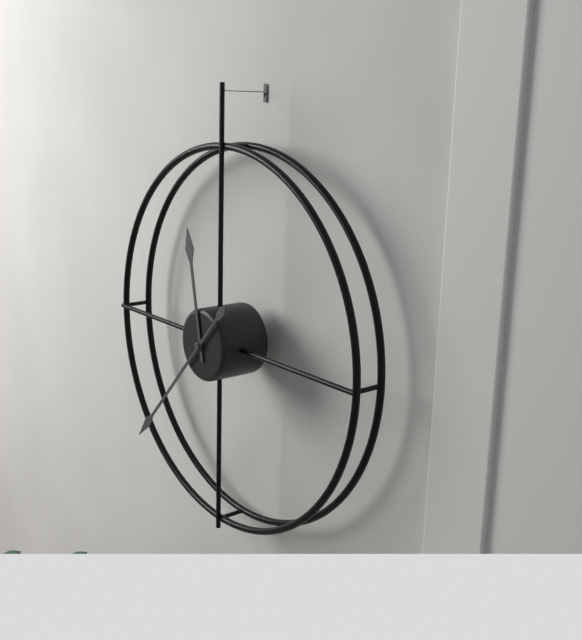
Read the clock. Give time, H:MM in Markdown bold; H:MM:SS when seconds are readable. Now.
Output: **11:37**
